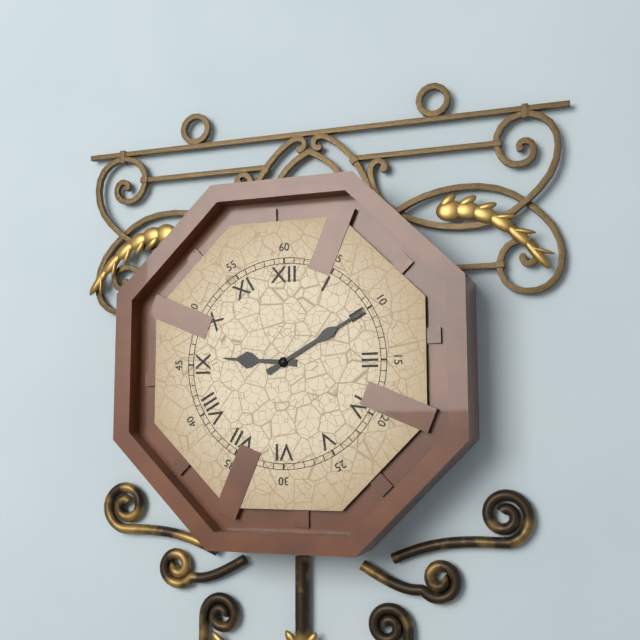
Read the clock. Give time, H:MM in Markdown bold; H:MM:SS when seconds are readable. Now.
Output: **9:10**
